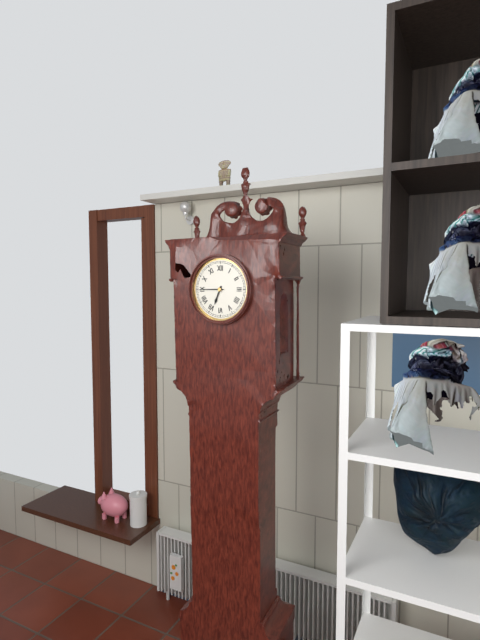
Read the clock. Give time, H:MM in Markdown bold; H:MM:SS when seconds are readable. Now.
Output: **6:45**
